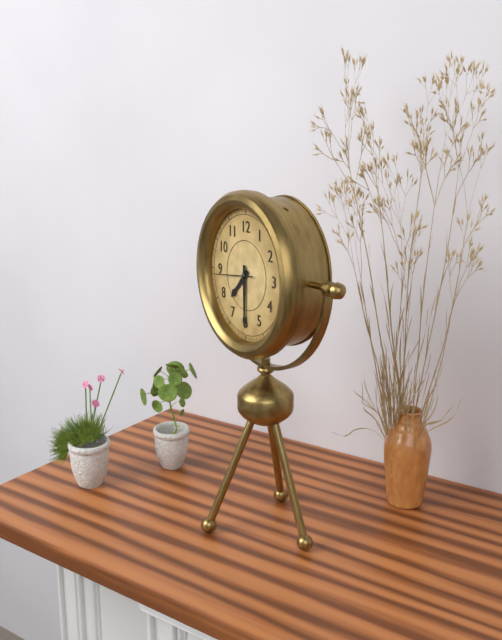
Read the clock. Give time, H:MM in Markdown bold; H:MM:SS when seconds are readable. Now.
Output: **7:30**
